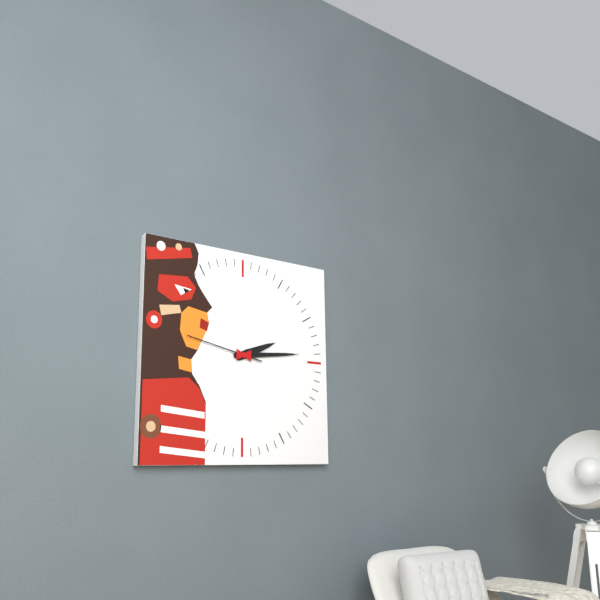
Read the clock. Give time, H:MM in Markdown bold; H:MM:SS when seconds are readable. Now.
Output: **2:14:47**
